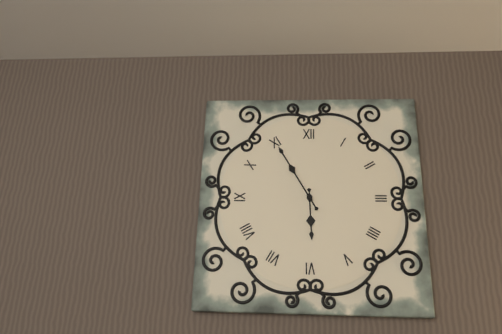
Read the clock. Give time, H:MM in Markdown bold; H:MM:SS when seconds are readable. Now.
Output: **5:55**
